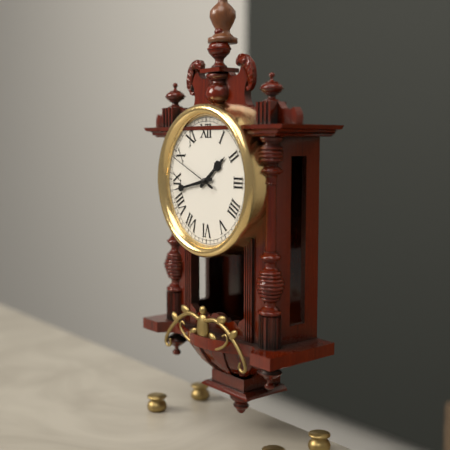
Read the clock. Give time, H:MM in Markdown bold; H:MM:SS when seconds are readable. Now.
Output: **1:43:49**
